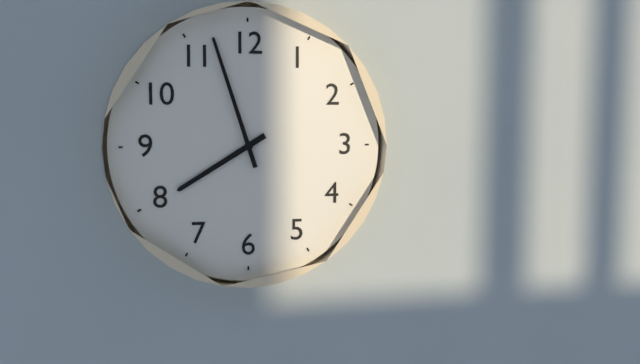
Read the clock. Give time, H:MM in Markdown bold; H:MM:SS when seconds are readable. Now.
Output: **7:57**
